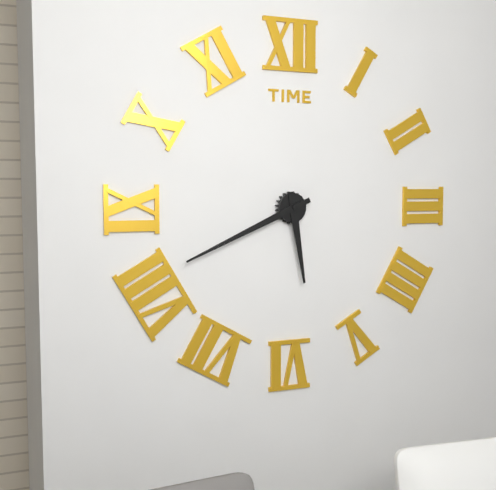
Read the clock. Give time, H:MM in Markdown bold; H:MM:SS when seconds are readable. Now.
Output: **5:41**
